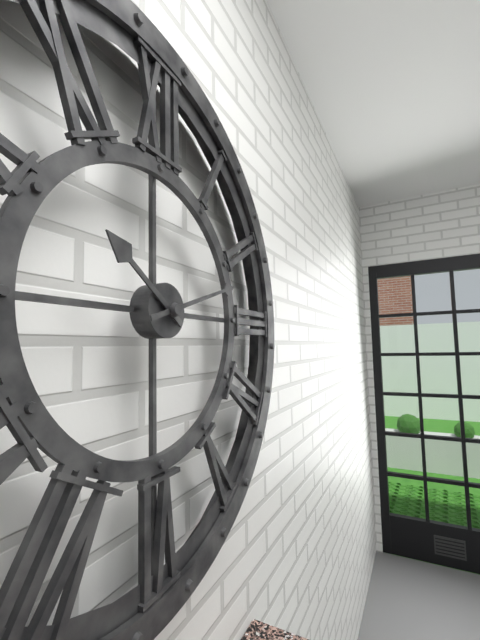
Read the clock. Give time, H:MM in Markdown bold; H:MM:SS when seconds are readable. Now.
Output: **10:12**
